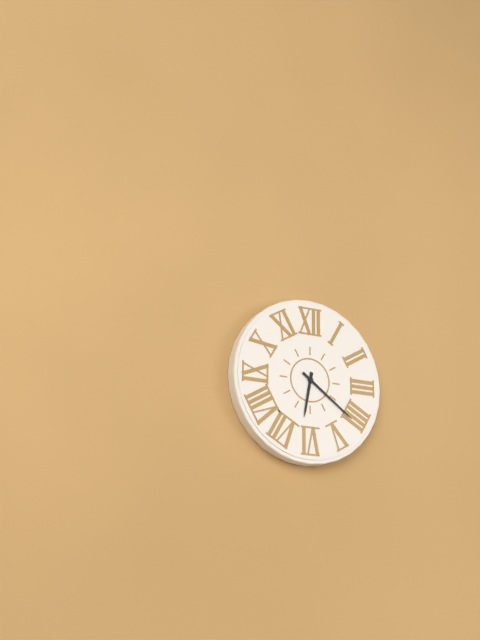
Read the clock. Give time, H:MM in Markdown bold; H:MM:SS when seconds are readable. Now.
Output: **6:21**
